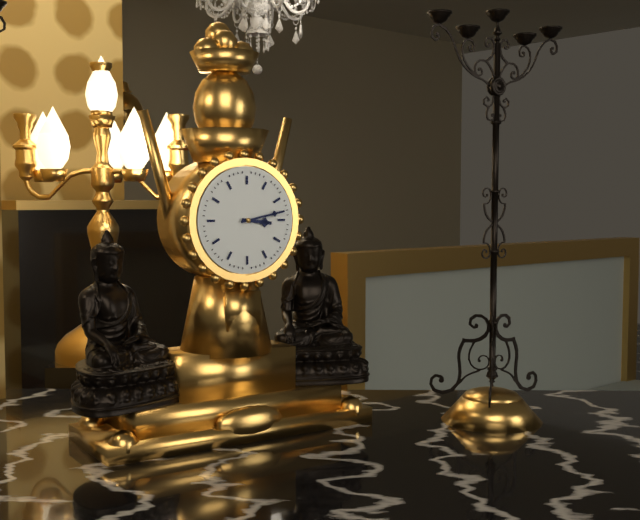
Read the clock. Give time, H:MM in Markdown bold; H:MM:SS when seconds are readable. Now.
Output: **3:13**
